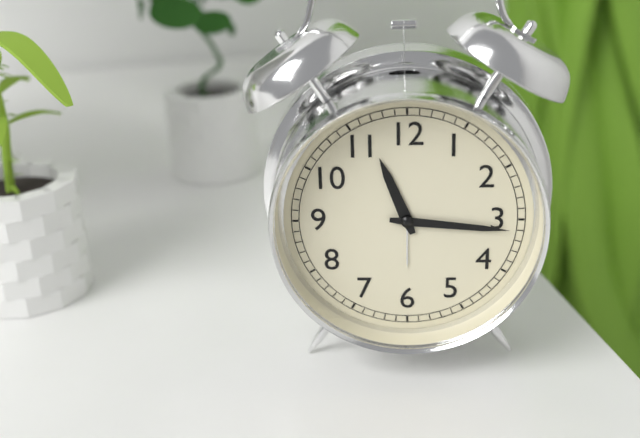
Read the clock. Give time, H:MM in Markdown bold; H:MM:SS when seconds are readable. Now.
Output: **11:16**
